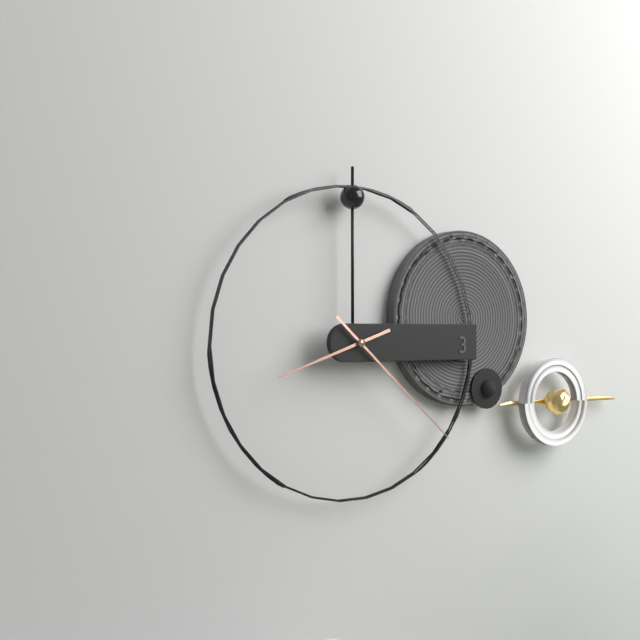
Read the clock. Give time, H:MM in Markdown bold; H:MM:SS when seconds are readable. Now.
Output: **8:22**
